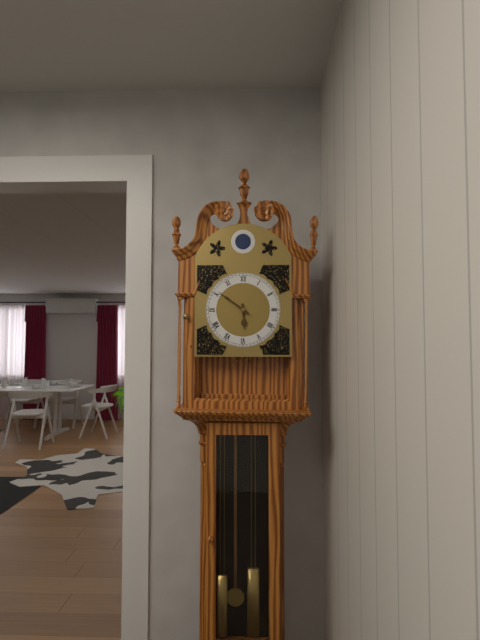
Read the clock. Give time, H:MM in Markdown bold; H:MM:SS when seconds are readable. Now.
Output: **5:51**
